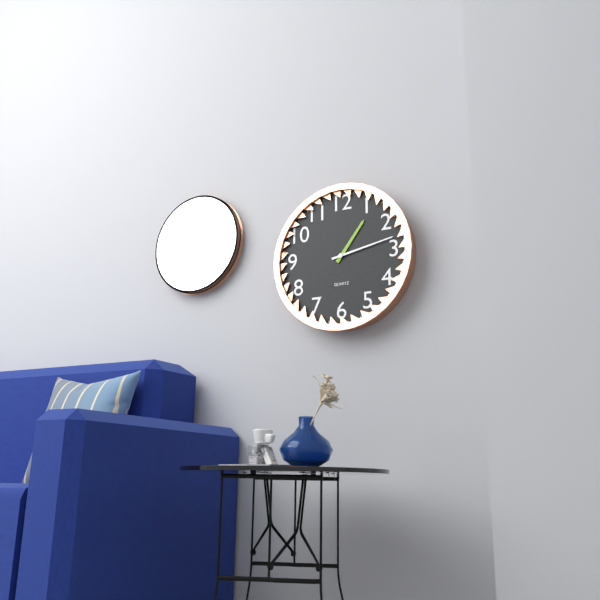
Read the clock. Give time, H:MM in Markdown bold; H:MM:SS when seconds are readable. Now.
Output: **1:13**
